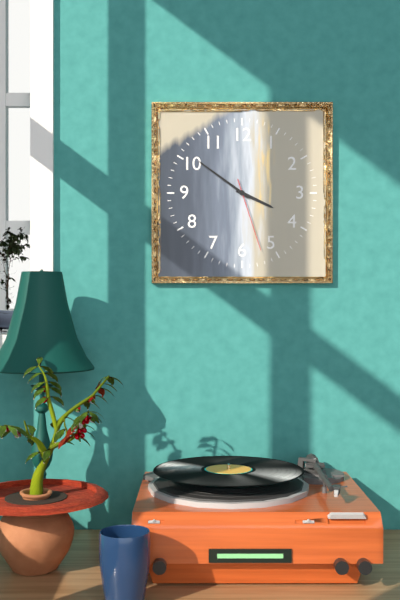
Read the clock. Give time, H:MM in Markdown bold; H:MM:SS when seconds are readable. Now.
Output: **3:51:27**
